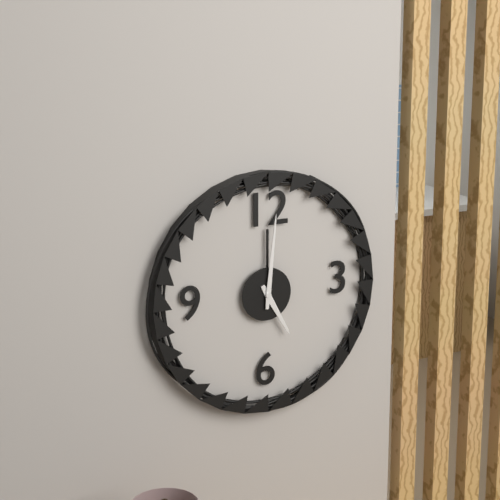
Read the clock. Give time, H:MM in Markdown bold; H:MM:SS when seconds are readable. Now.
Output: **5:01**
